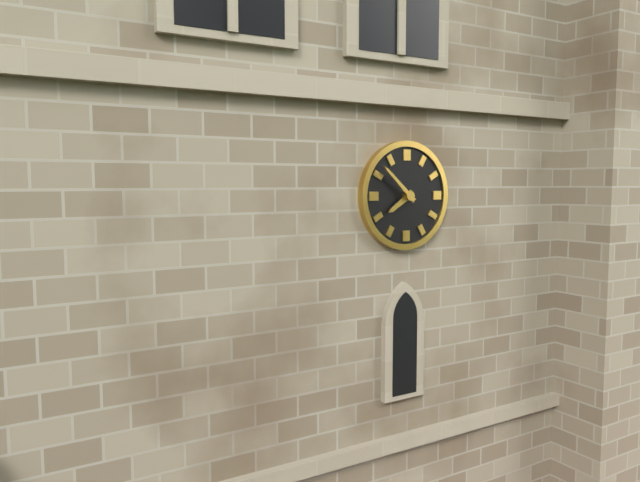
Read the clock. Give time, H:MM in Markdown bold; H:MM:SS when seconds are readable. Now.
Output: **7:52**
